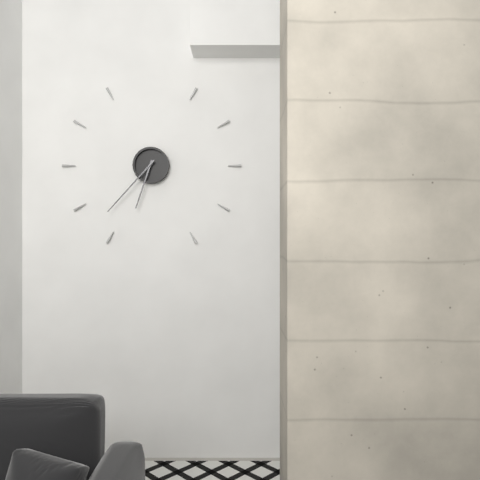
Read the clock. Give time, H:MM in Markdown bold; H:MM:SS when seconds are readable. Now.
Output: **6:37**
